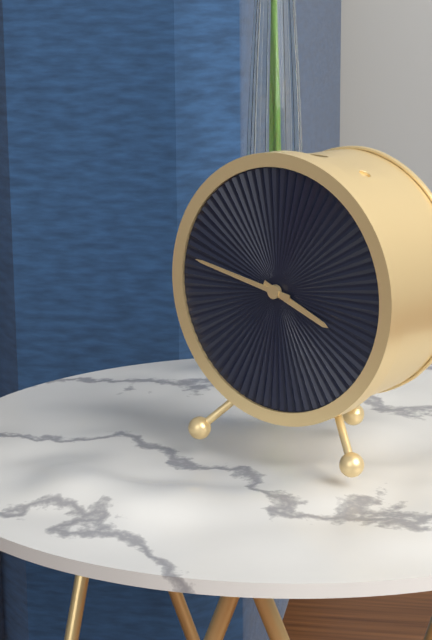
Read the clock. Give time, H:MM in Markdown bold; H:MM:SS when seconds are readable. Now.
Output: **3:47**
